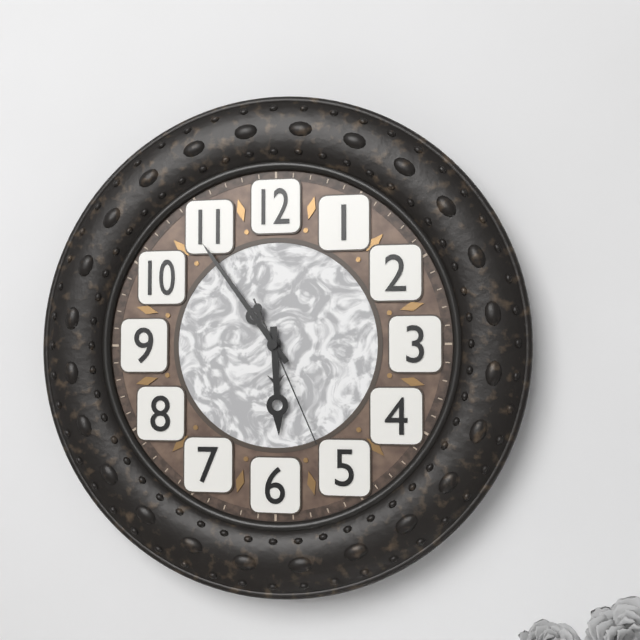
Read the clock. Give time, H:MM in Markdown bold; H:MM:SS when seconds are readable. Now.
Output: **5:54:26**
